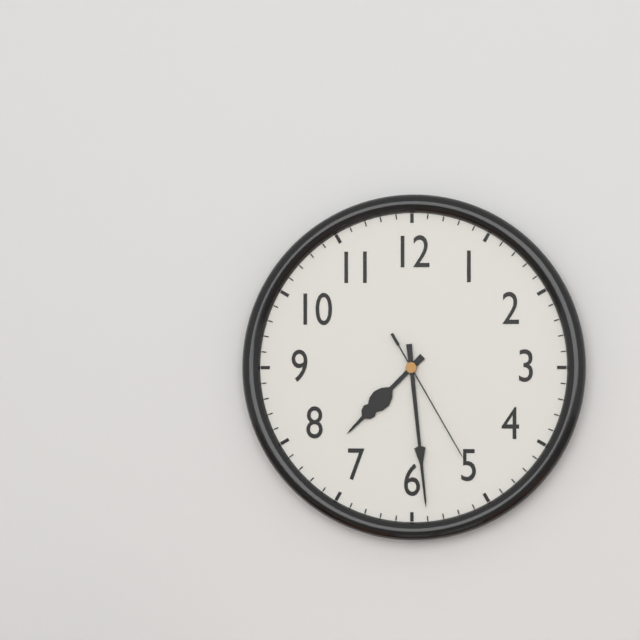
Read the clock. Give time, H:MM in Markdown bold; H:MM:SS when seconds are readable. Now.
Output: **7:29:25**
